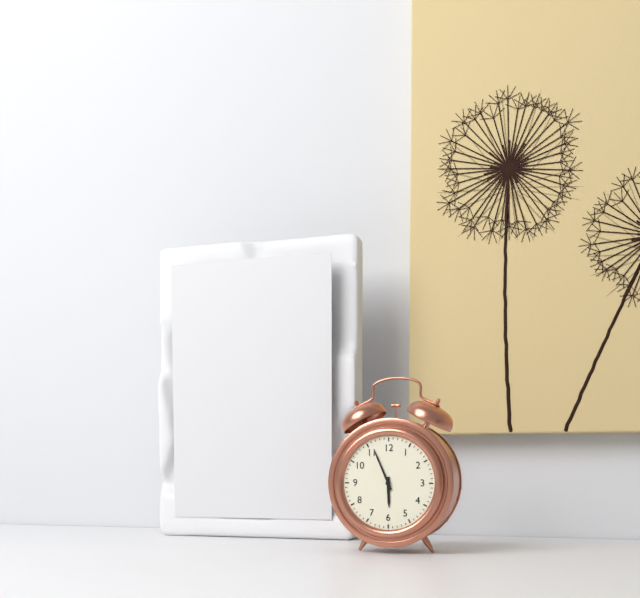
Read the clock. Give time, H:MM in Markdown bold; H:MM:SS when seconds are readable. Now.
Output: **5:56**
